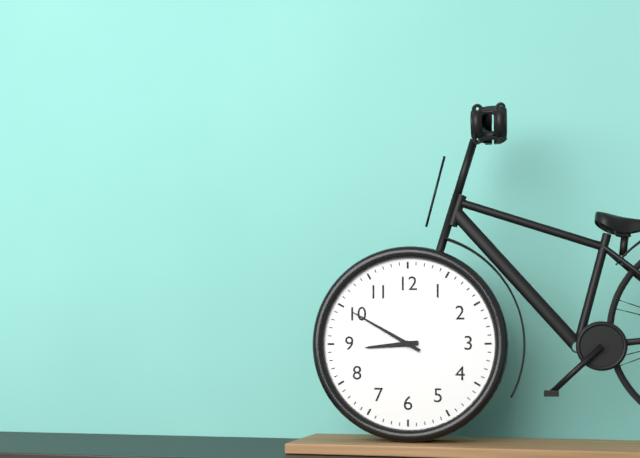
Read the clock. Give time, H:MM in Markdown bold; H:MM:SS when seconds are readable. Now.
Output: **8:50**
